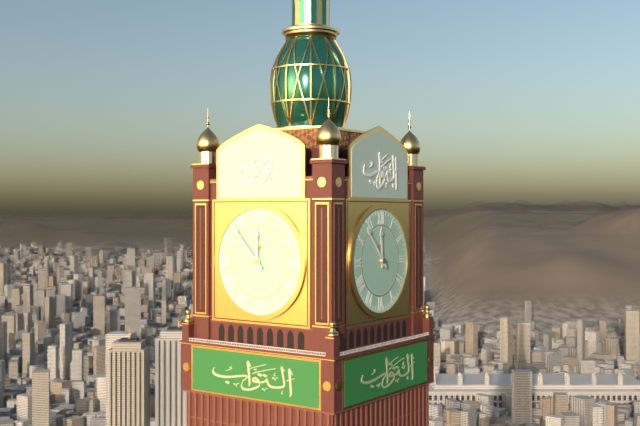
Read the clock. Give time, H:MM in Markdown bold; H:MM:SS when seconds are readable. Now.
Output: **11:53**
